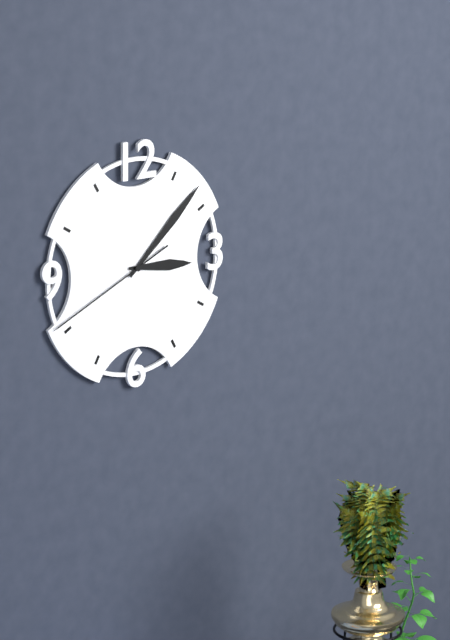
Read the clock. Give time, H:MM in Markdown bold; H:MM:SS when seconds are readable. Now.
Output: **3:08:41**
